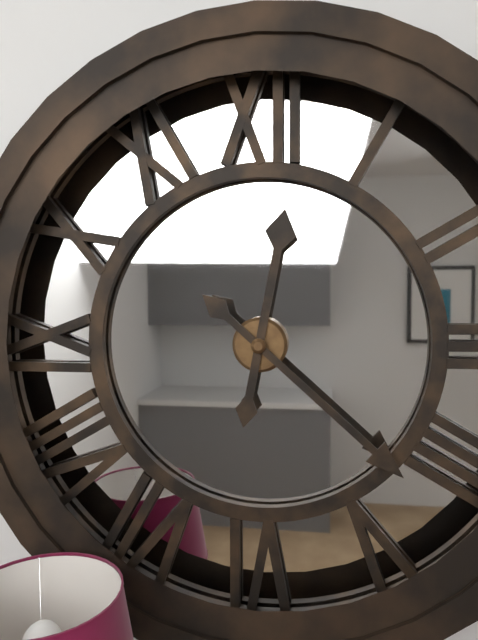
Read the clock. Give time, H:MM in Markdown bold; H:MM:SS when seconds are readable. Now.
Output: **12:22**
